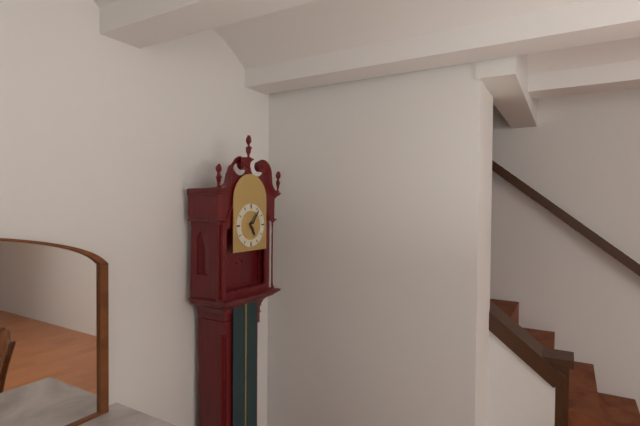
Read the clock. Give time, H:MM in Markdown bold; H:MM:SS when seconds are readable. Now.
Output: **5:06**
